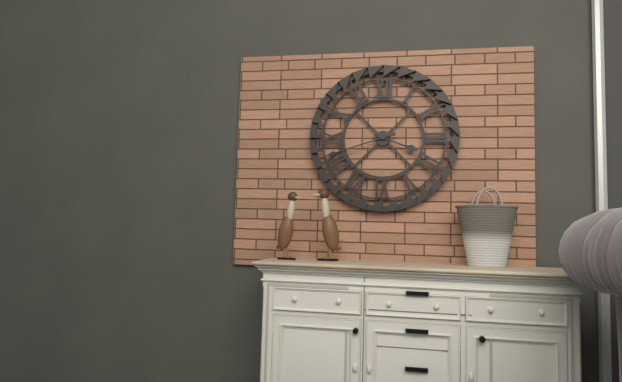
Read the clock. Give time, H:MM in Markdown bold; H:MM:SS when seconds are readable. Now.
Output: **3:42**
